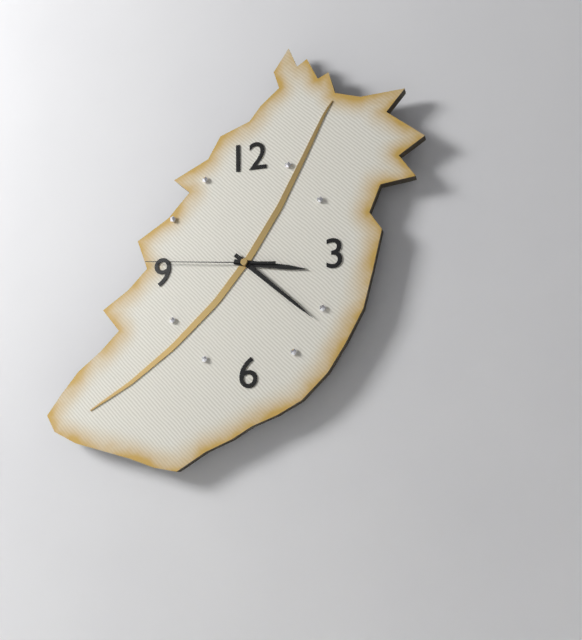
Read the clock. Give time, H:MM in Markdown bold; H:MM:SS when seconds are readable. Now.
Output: **3:22:46**
